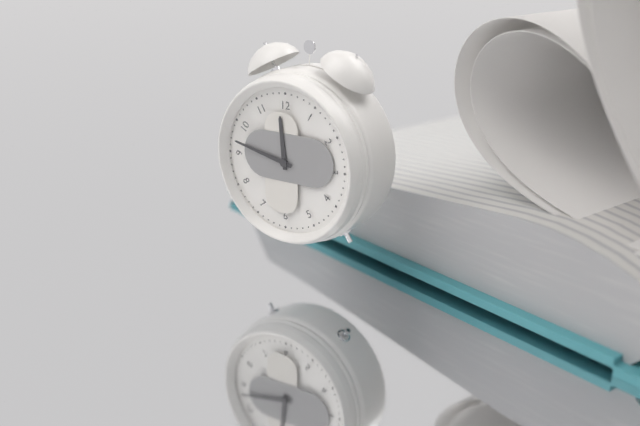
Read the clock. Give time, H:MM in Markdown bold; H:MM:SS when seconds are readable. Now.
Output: **11:47**
